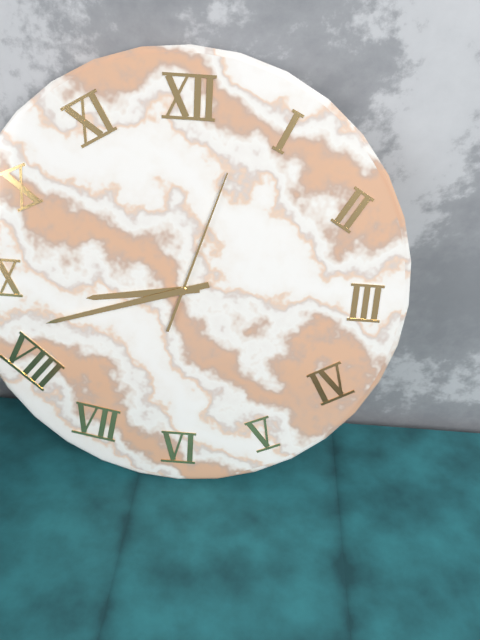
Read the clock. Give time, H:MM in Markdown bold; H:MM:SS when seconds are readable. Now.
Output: **8:42:03**
